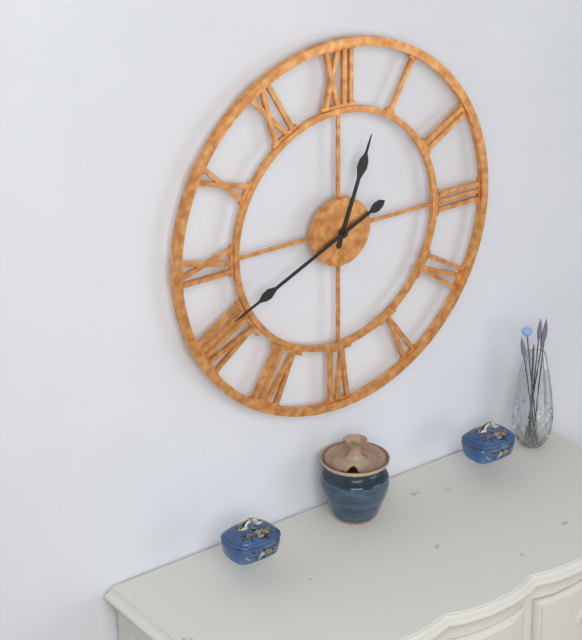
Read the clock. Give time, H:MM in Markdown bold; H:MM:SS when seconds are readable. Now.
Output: **12:41**
